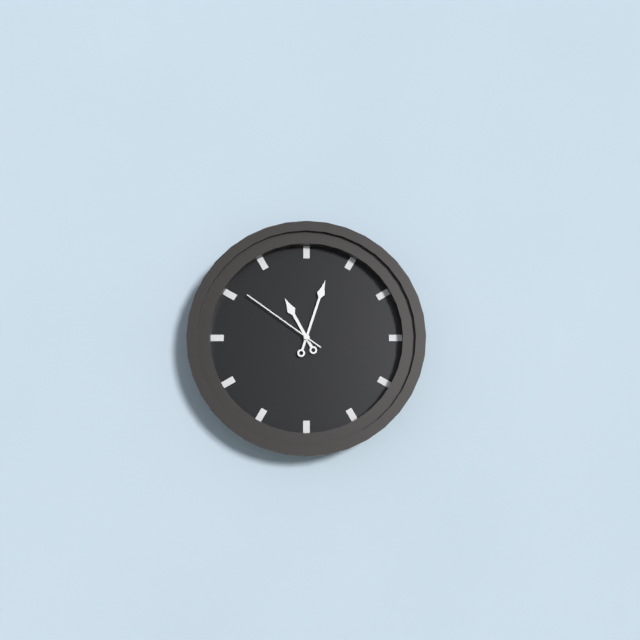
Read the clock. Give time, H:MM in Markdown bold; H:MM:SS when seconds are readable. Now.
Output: **11:03:51**
